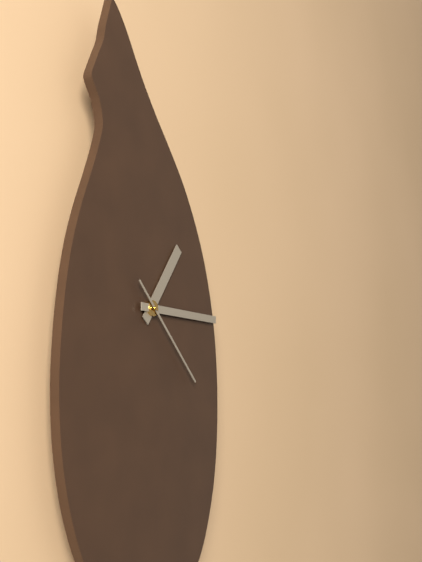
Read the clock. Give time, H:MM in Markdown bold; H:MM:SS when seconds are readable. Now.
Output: **1:15:22**
